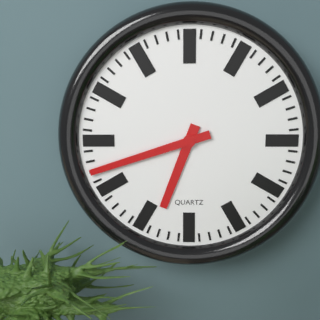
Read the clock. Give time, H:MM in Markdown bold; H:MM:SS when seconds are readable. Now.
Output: **6:42**
